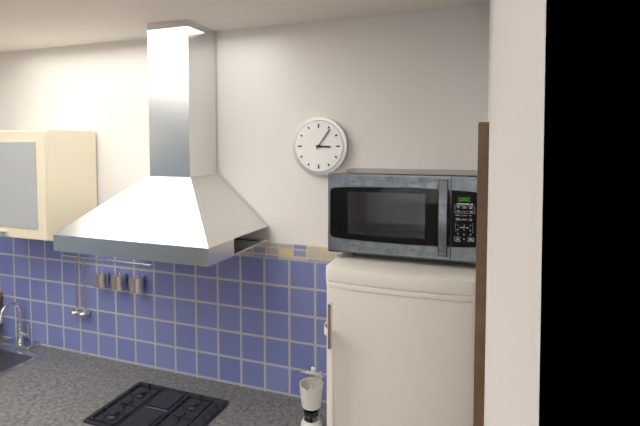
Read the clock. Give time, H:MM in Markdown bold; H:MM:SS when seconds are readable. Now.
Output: **3:06**
